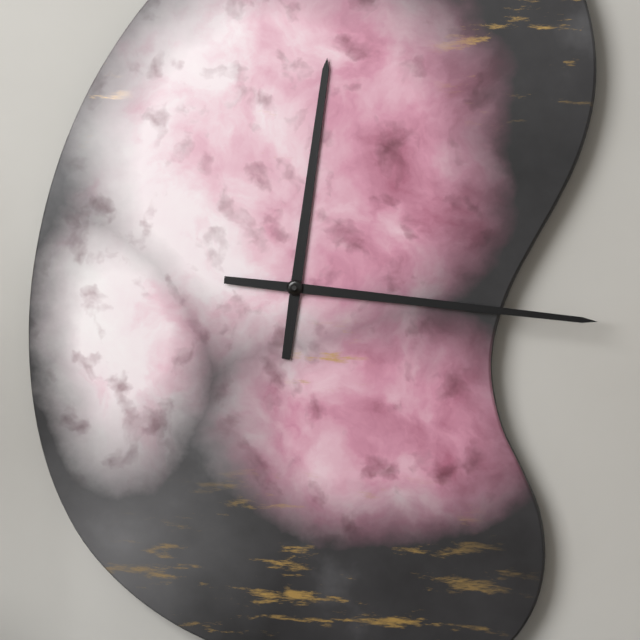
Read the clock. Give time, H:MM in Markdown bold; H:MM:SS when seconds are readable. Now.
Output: **12:16**
